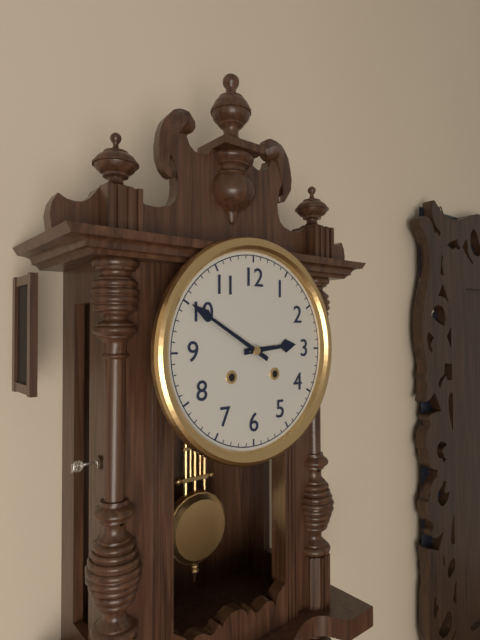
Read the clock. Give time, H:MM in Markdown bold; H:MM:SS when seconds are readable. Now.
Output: **2:50**
